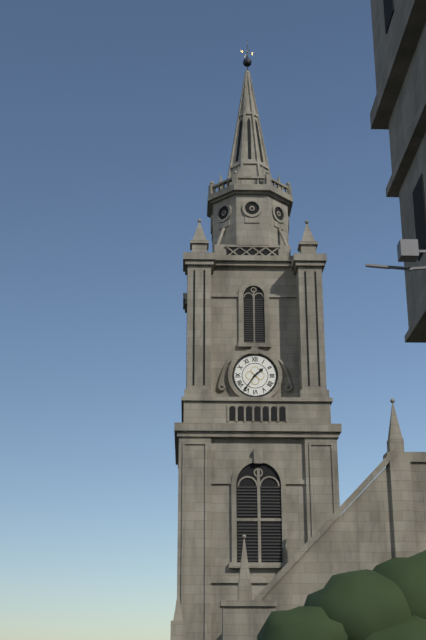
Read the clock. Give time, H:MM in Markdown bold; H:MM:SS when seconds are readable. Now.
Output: **1:36**
